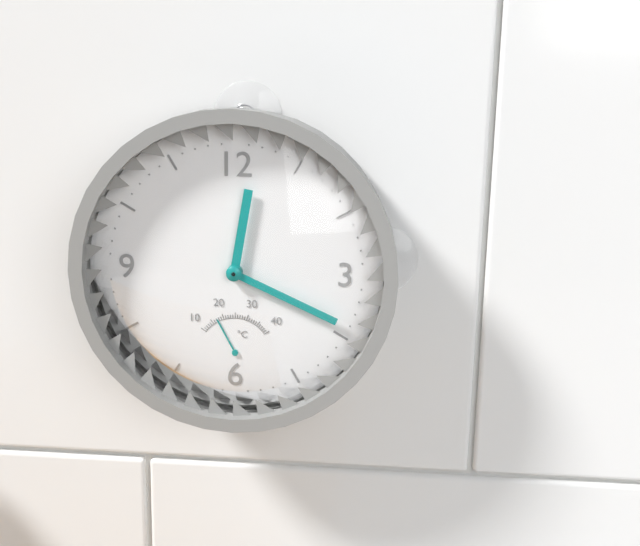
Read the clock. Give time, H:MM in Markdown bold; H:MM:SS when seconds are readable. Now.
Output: **12:19**
